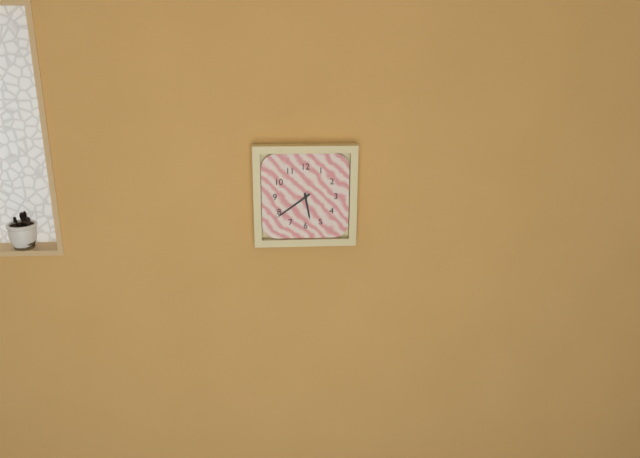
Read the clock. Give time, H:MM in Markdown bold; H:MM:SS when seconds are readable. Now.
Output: **5:39**
